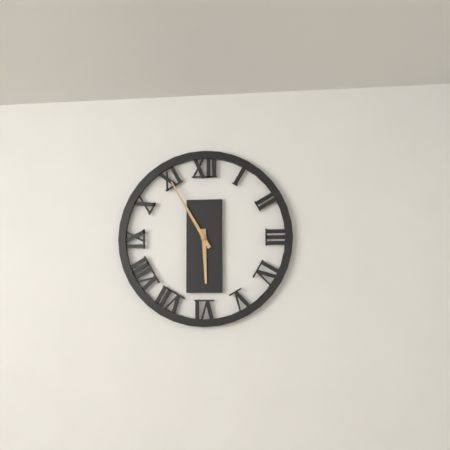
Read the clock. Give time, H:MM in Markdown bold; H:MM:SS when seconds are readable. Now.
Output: **5:55**
